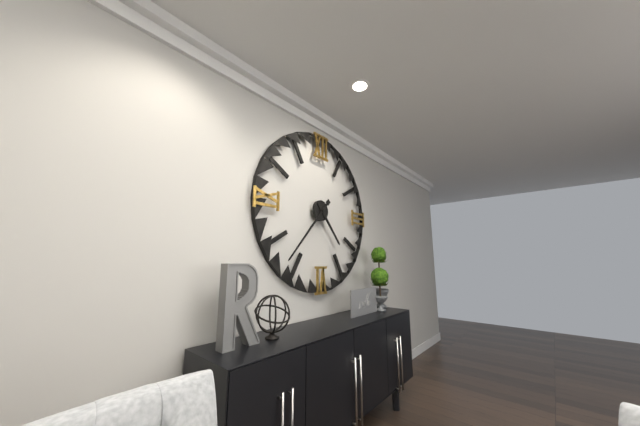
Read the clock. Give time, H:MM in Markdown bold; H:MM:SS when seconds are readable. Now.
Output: **4:37**
